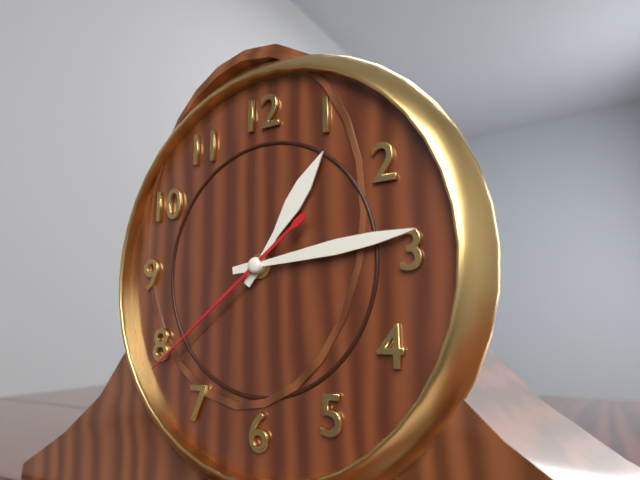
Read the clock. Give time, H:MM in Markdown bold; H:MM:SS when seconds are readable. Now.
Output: **1:14:39**
